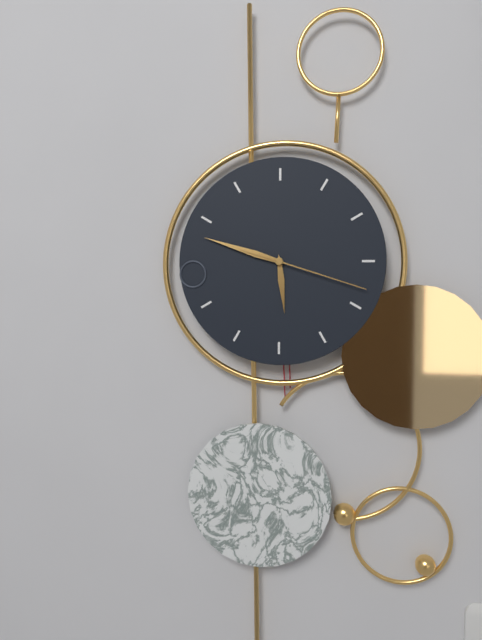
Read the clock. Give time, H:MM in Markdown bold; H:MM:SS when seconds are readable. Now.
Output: **5:48:18**
